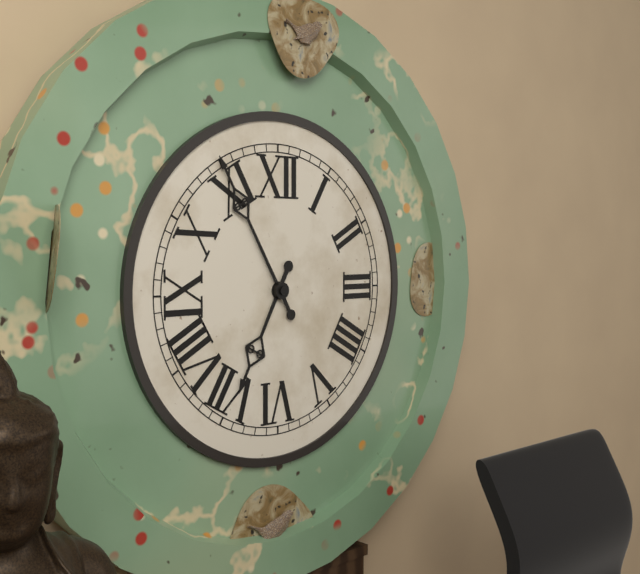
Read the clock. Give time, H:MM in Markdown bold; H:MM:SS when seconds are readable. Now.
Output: **6:55**
